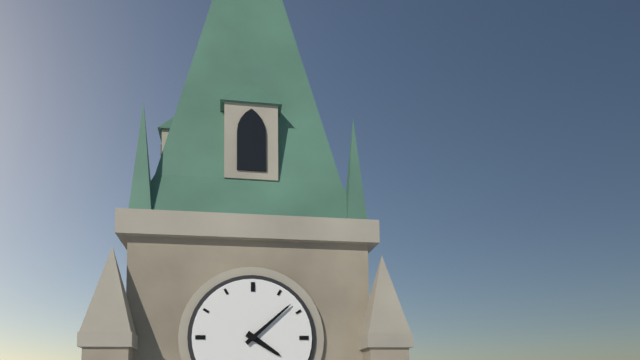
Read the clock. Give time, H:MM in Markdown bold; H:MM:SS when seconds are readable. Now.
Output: **4:08**
